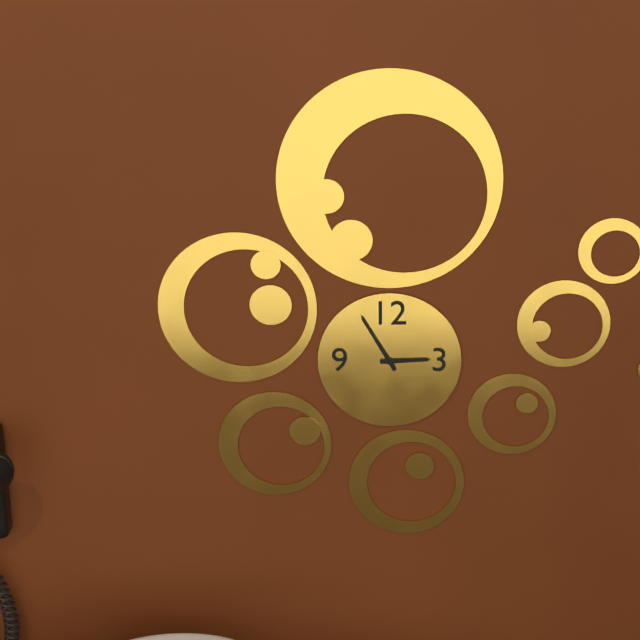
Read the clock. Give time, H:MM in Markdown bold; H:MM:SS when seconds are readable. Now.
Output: **2:55**
